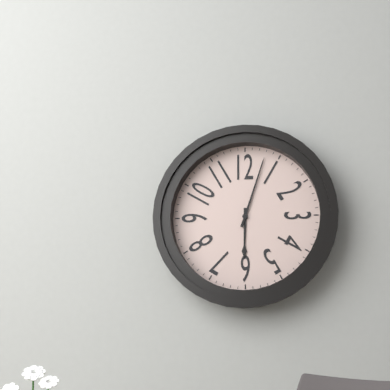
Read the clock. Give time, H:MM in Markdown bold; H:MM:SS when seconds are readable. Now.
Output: **6:03**
